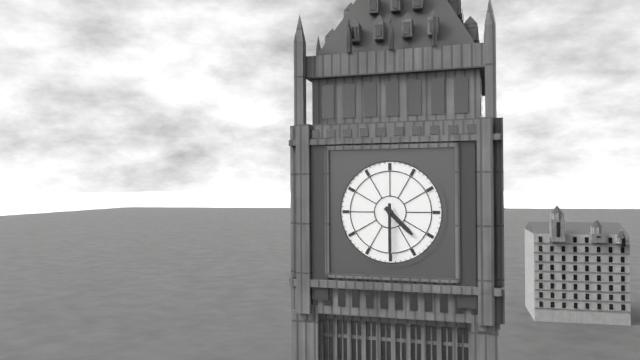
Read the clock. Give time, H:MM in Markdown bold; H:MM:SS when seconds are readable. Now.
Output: **4:30**
